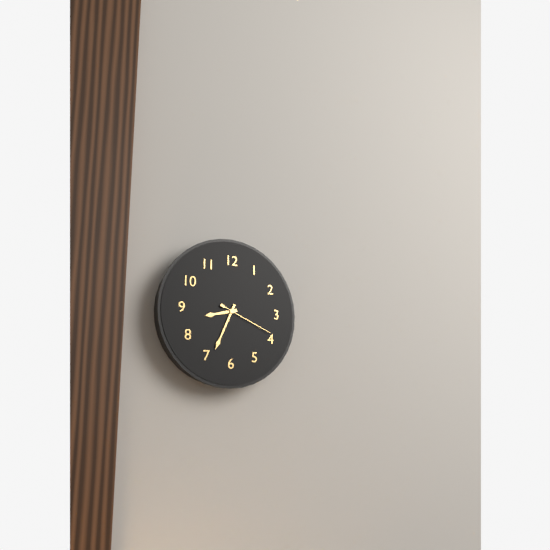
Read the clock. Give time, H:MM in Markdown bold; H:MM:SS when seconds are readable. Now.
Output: **8:34:19**
